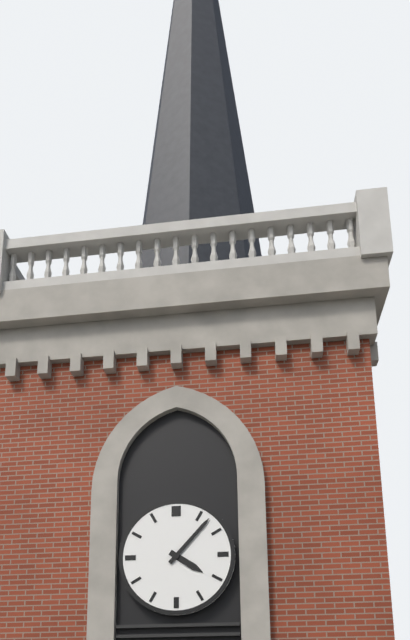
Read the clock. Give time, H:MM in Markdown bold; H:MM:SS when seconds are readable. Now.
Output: **4:07**
